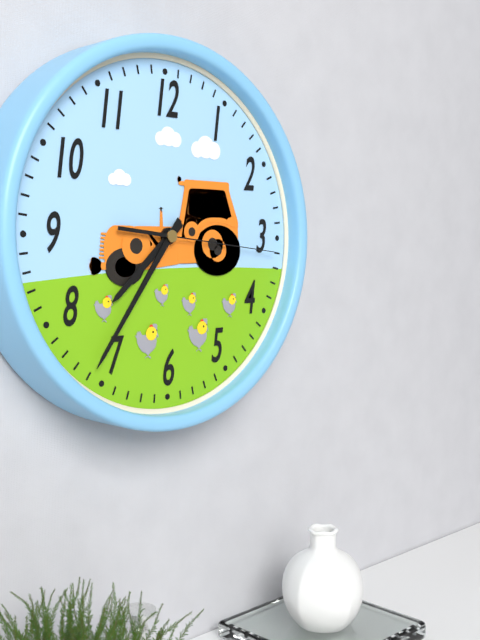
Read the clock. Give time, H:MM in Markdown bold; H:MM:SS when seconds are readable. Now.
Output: **7:36:16**
